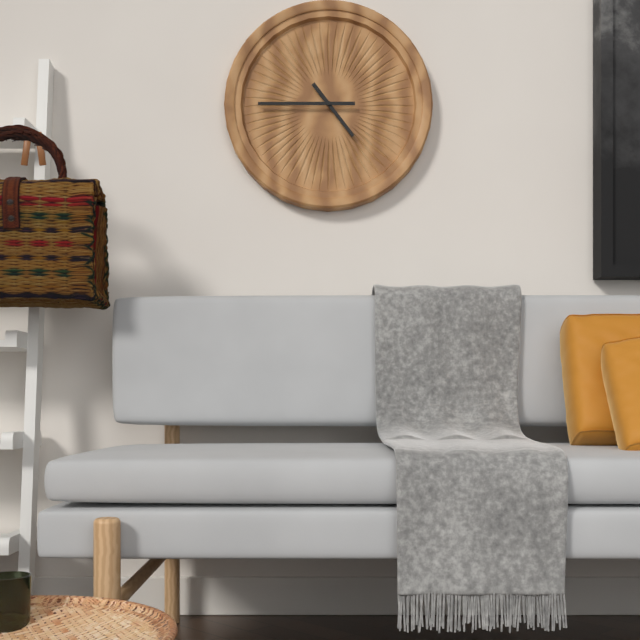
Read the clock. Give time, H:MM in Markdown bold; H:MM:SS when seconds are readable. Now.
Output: **4:45**
